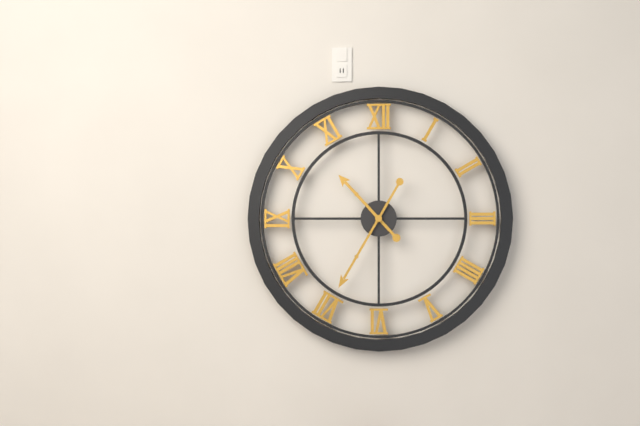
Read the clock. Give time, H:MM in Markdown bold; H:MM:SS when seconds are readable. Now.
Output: **10:35**
